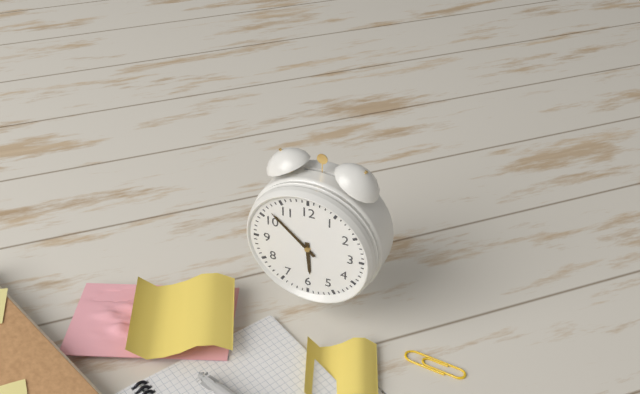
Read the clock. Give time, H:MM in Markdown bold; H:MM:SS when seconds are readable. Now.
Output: **5:52**
